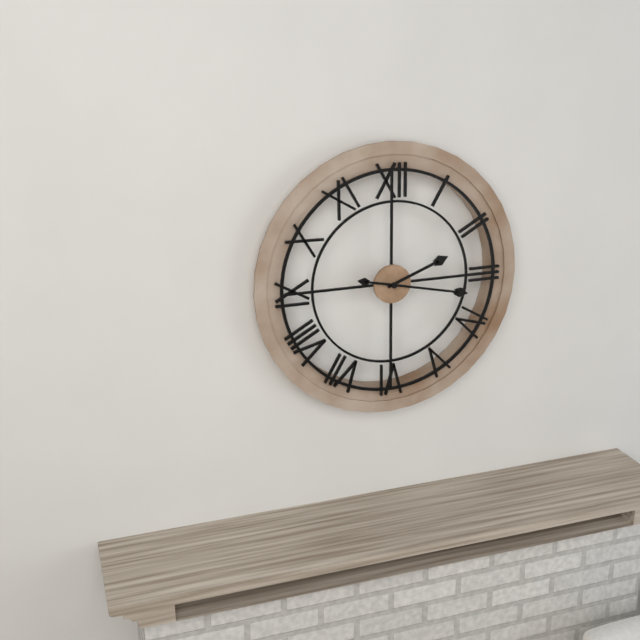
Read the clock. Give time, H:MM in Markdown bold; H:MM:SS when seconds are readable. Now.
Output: **2:17**
